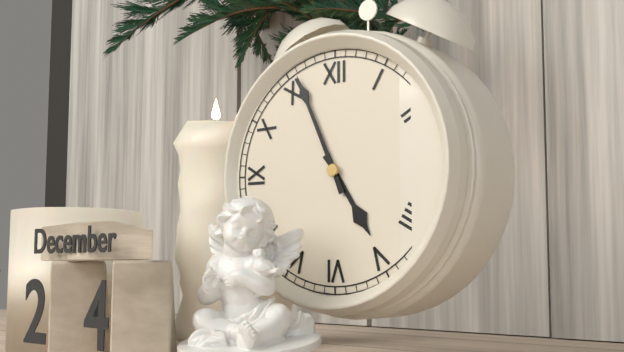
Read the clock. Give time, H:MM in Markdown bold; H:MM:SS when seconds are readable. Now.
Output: **4:56**
